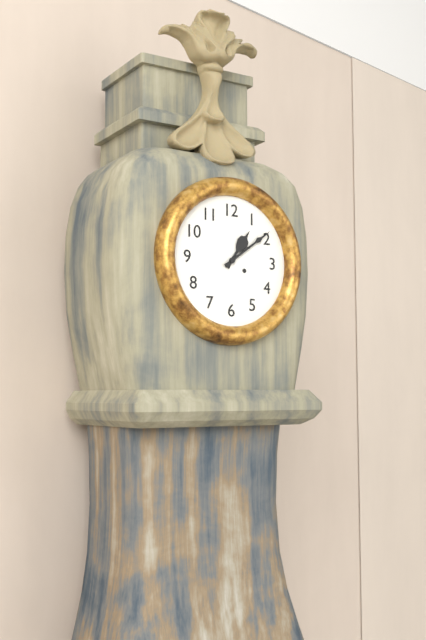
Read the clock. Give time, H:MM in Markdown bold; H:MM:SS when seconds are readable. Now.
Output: **1:09**
